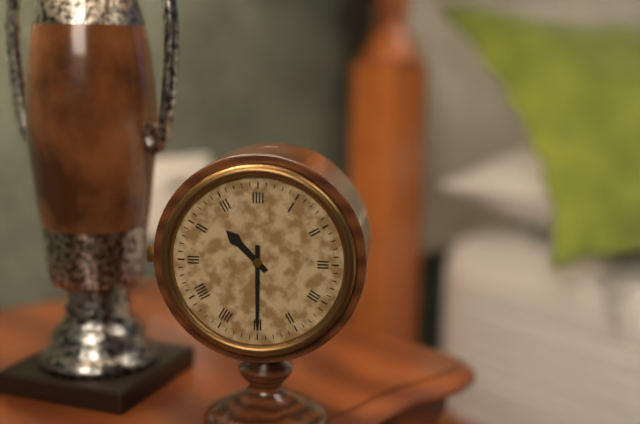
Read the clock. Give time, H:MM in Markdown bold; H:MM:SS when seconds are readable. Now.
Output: **10:30**
